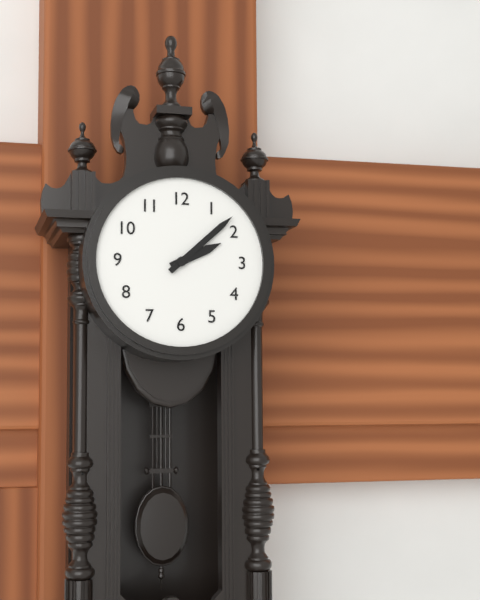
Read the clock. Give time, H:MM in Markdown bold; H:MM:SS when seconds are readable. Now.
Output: **2:08**
